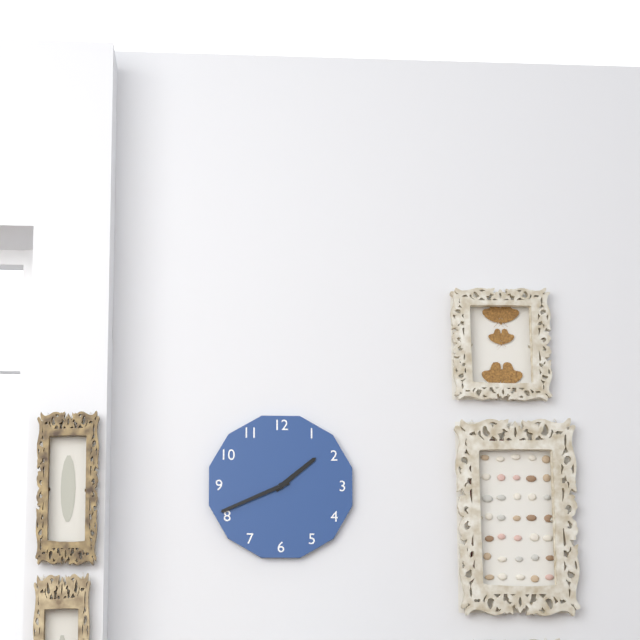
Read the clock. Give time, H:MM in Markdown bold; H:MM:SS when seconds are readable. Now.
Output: **1:41**
